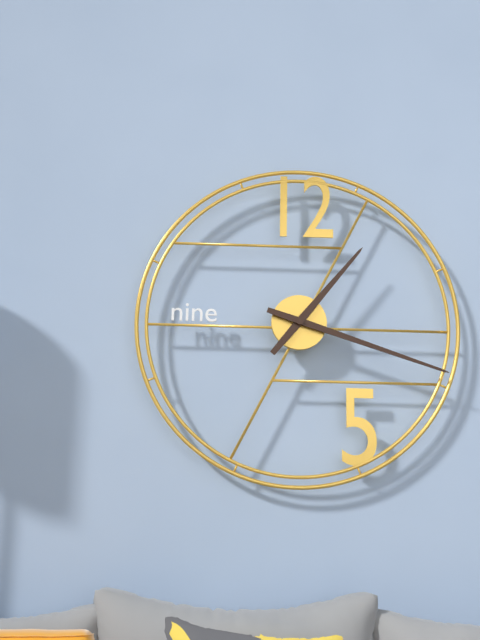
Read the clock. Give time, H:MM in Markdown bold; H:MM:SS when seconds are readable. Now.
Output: **1:18**
